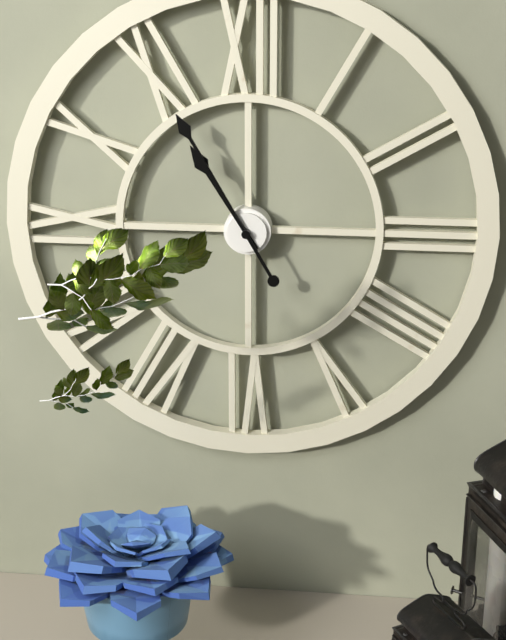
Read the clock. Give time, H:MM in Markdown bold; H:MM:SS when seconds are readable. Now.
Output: **10:55**
